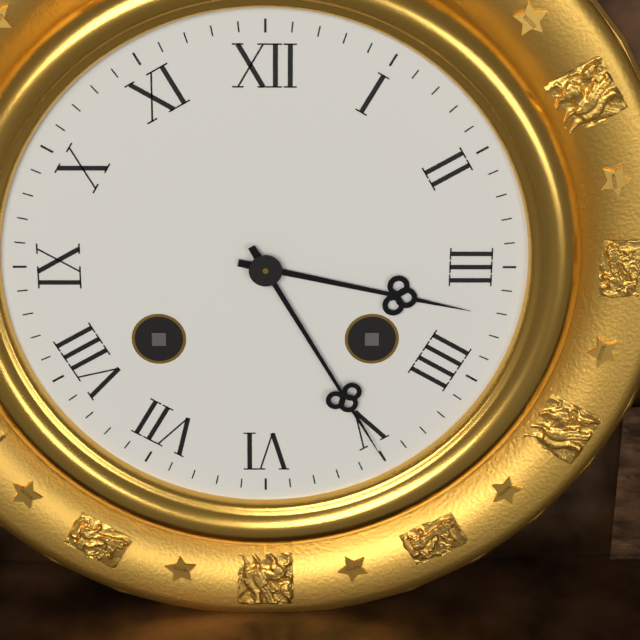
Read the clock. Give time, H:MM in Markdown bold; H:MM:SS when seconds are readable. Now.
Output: **3:25**
